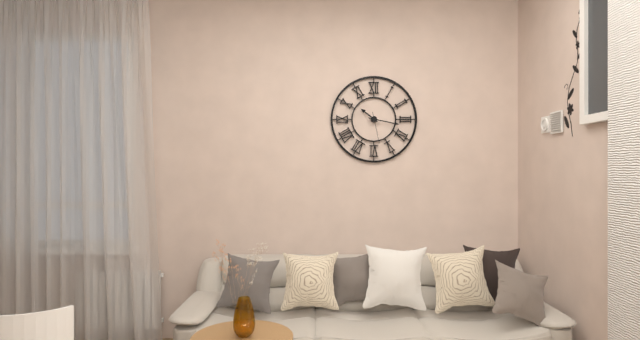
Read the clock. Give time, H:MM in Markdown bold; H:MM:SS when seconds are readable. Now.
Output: **10:17**
